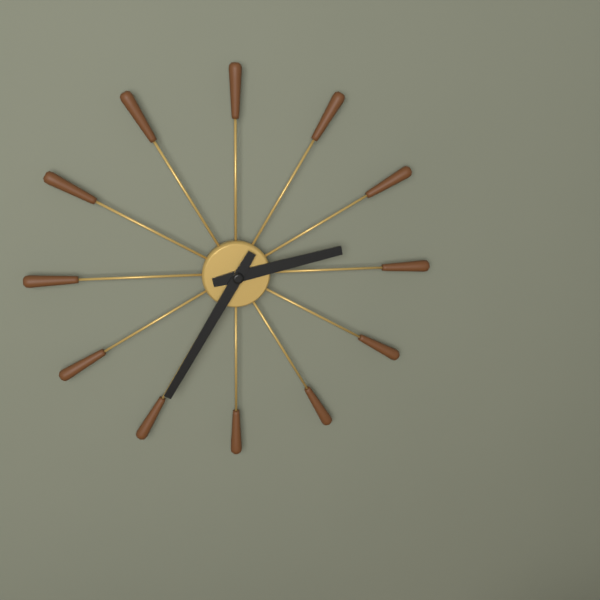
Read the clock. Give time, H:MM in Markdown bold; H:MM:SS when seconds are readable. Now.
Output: **2:35**
